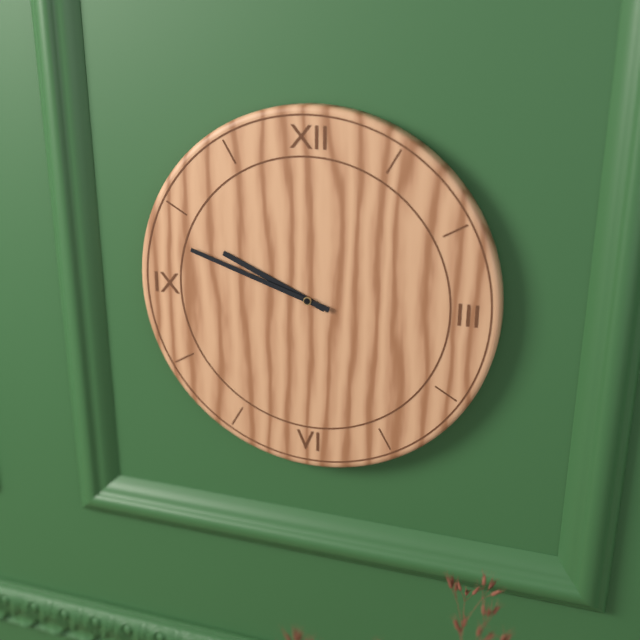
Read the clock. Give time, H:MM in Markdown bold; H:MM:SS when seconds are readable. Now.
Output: **9:48**
